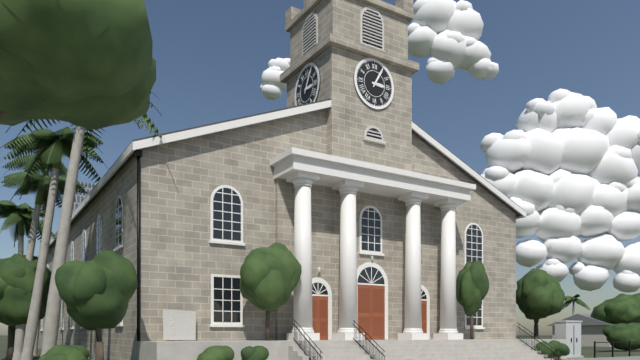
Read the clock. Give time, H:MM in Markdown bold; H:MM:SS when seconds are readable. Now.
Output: **3:05**
